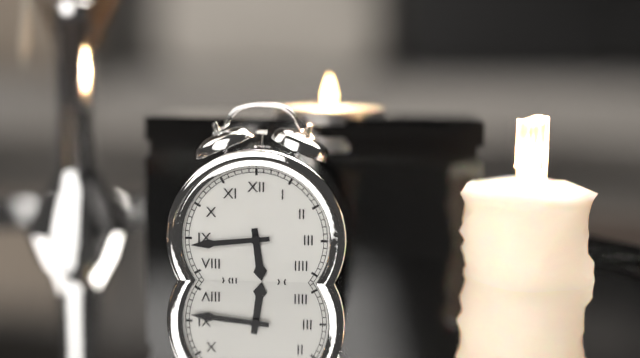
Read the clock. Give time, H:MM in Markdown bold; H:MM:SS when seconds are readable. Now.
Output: **5:44**
